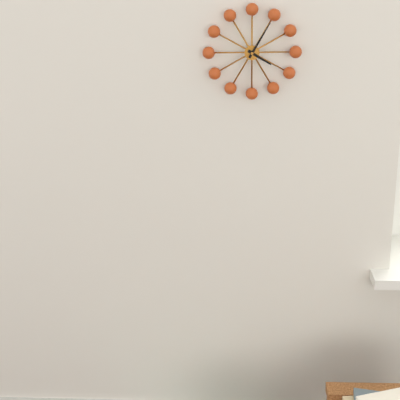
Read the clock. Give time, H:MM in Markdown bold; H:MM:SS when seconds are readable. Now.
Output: **4:05**
